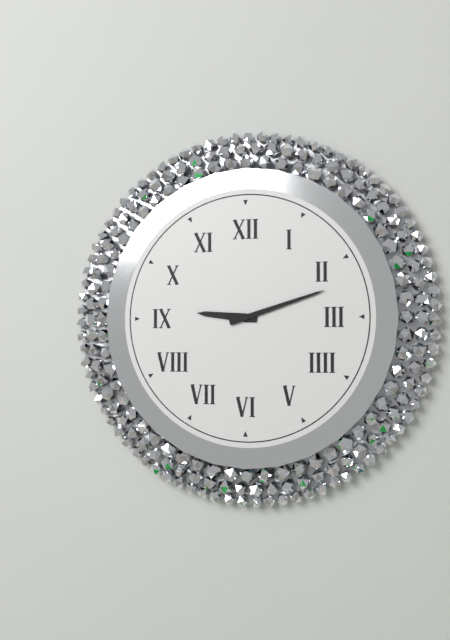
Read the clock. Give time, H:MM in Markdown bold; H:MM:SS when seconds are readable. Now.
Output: **9:12**
